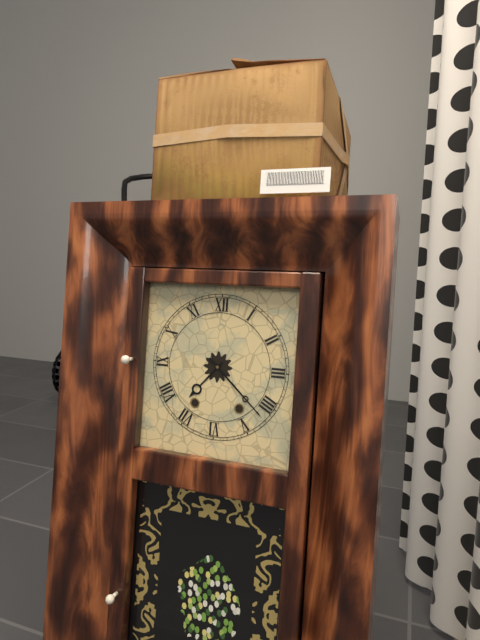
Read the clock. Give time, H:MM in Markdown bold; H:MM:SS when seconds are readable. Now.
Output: **7:22**
